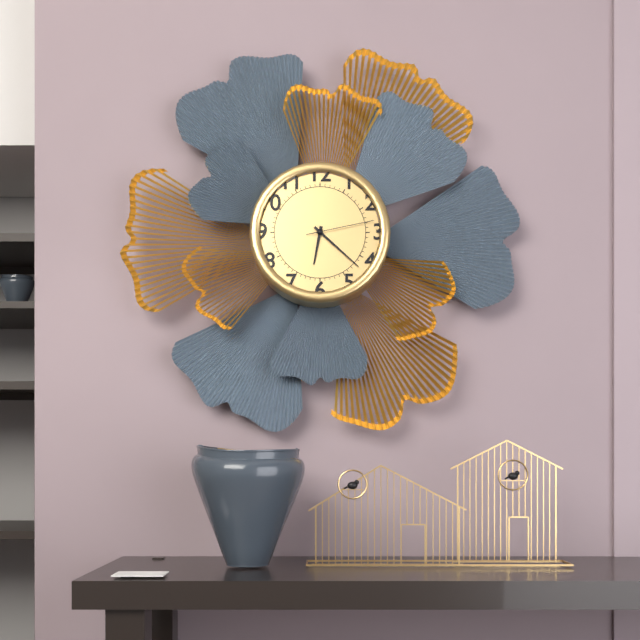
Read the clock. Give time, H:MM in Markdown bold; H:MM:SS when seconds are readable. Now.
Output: **6:22:13**
